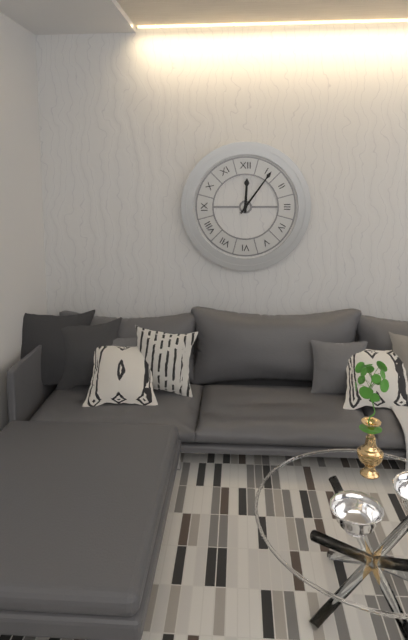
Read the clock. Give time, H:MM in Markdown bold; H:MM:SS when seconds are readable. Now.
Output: **12:06**
